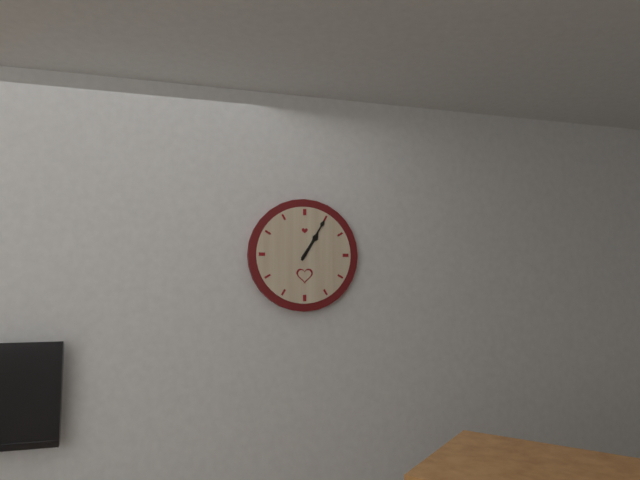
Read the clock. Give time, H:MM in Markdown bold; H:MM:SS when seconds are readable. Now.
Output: **1:05**
